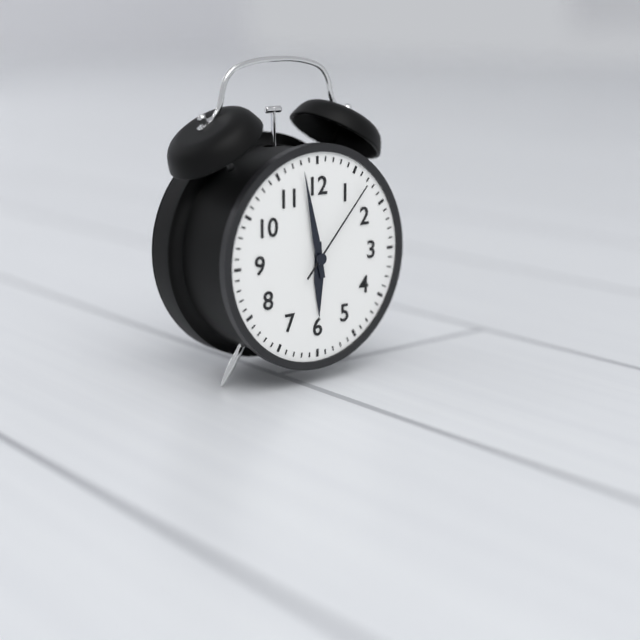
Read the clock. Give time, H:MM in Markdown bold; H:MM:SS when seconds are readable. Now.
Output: **5:58:07**
